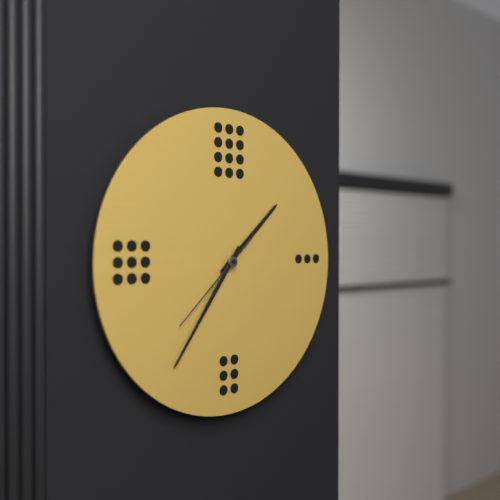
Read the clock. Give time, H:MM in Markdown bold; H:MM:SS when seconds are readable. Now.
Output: **1:36:38**
